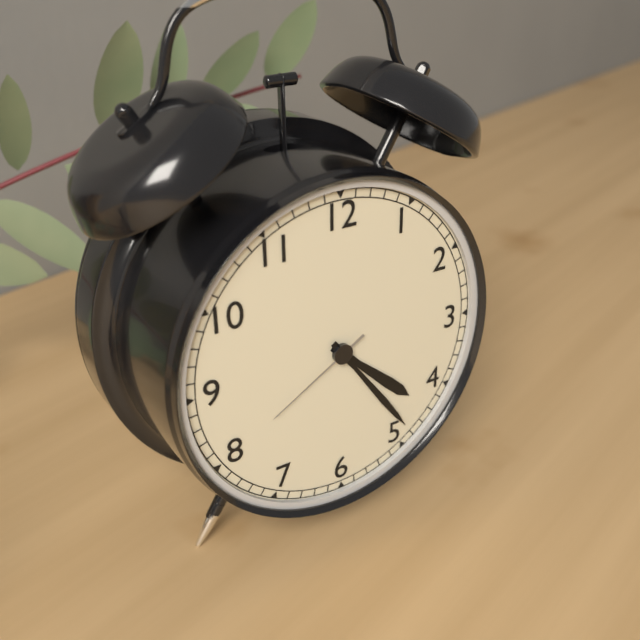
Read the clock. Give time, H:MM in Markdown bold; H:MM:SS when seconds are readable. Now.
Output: **4:24:40**
